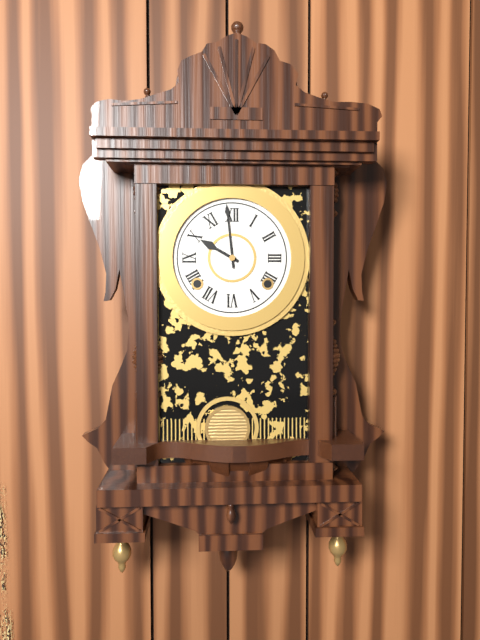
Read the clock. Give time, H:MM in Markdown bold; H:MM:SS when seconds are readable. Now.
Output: **9:59**
